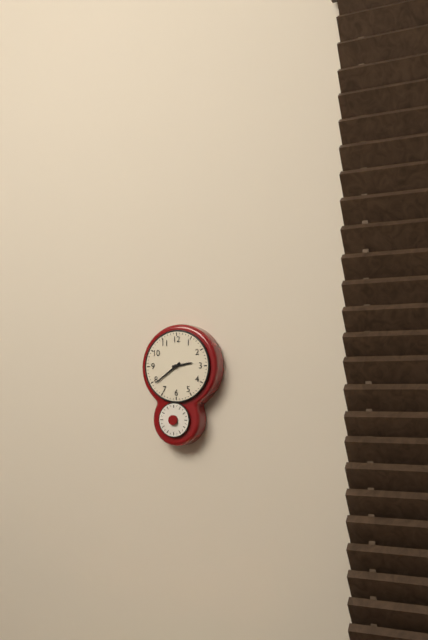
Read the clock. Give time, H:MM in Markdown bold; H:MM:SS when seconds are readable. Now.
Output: **2:39**
